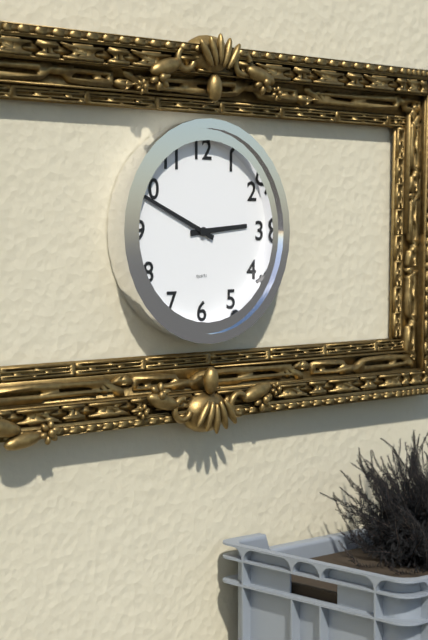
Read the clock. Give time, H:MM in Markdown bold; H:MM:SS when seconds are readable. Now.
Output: **2:49**
